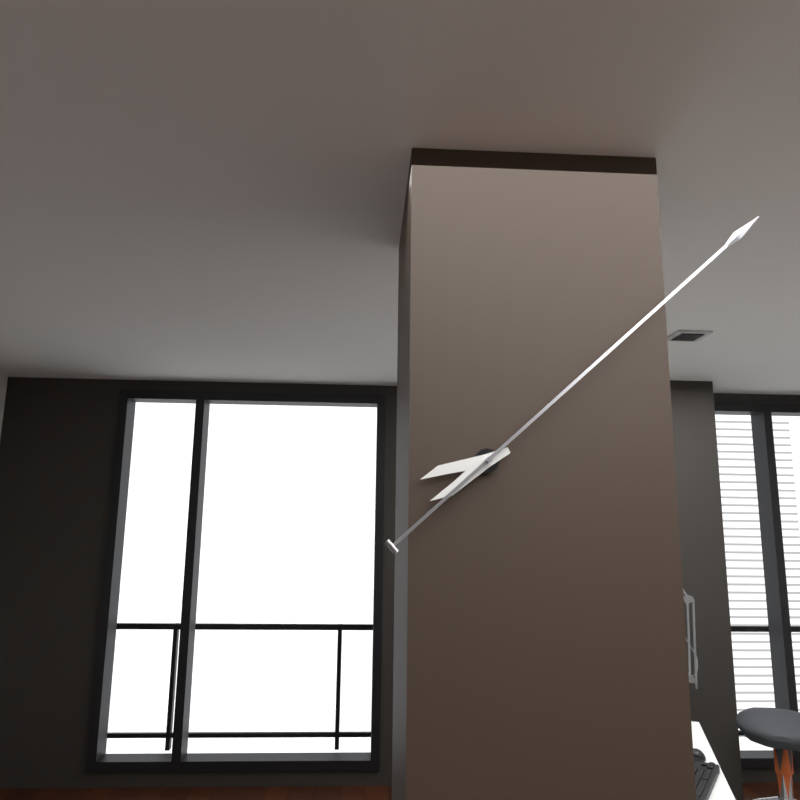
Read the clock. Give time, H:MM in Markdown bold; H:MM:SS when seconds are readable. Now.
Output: **8:08**
